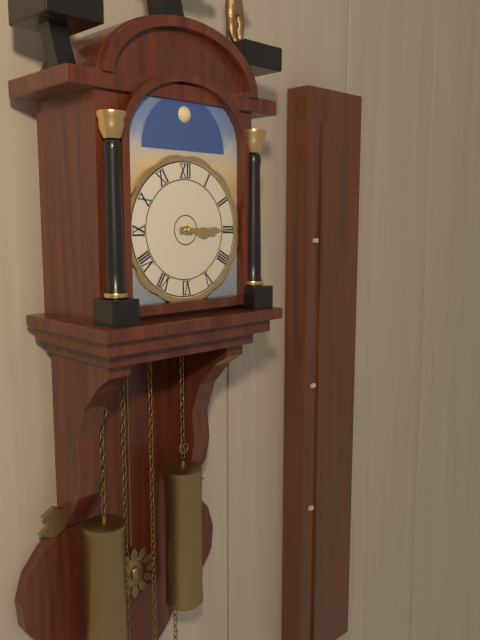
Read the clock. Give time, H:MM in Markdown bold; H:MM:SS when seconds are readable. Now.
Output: **3:15**
